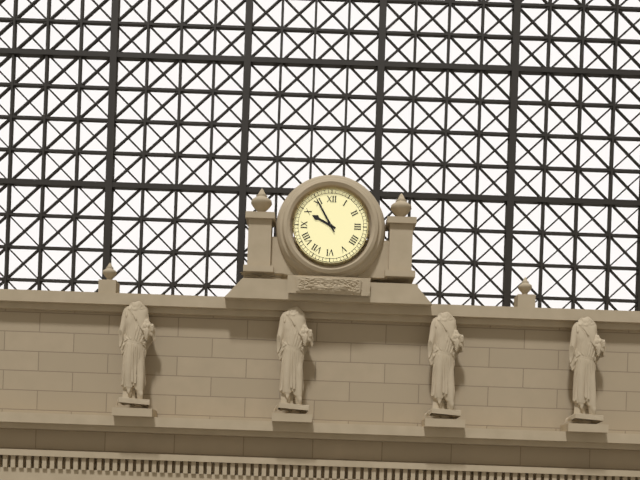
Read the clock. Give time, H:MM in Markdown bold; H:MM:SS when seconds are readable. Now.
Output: **9:55**
